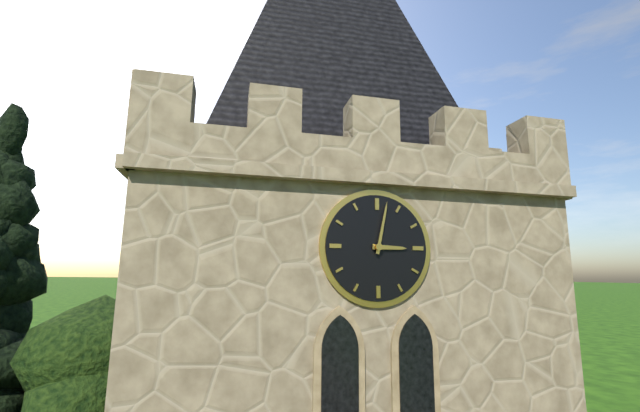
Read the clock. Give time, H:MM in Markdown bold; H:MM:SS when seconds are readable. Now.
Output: **3:02**
